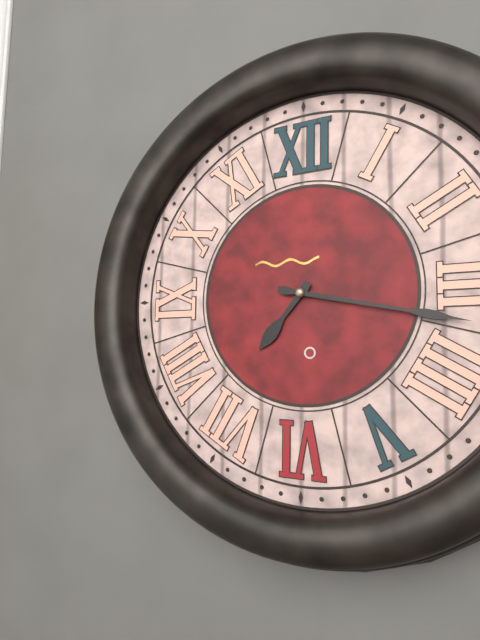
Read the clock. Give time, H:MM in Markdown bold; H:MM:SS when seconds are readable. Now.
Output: **7:17**
